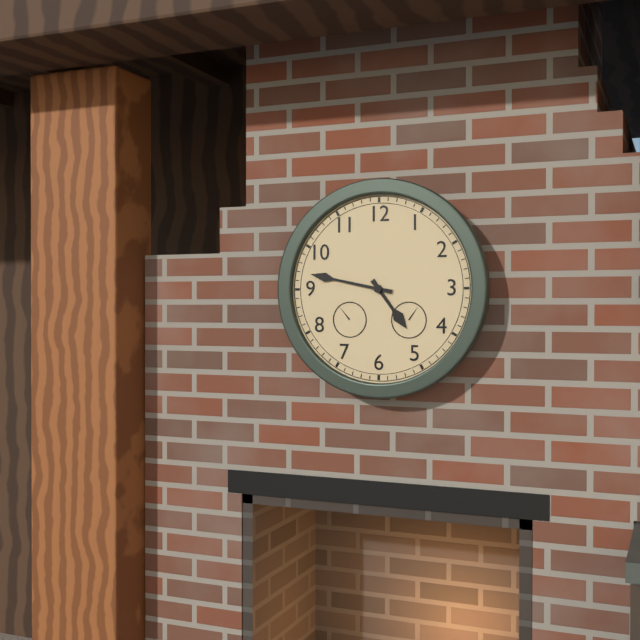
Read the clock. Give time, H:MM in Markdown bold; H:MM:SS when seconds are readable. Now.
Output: **4:47**
